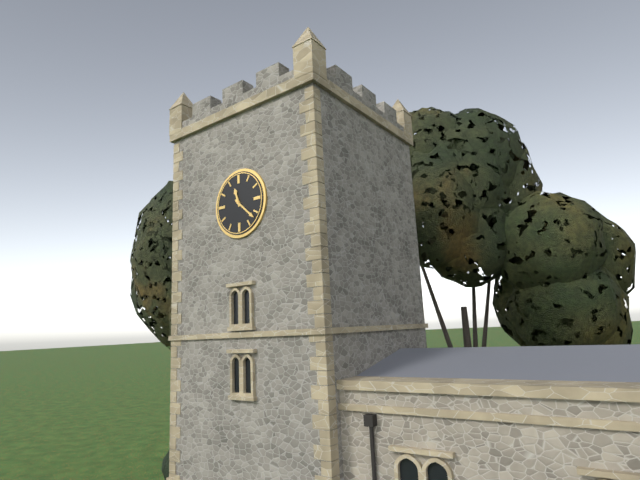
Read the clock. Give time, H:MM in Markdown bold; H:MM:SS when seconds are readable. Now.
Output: **11:22**
